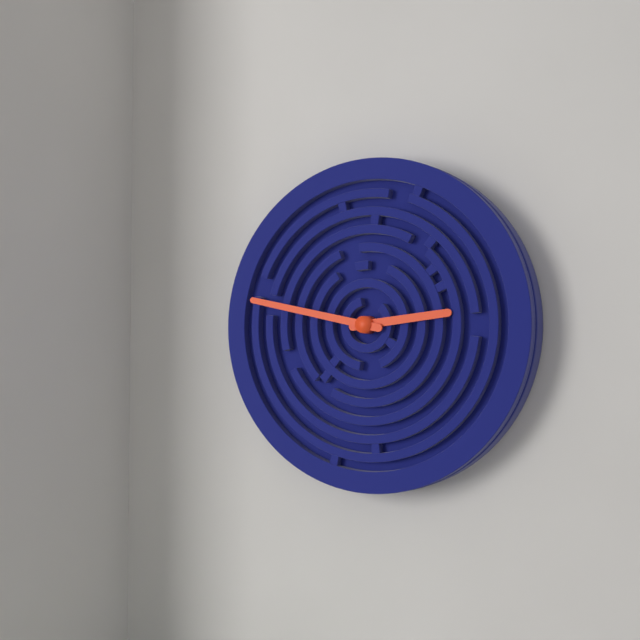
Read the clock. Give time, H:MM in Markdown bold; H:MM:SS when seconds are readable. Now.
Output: **2:47**
